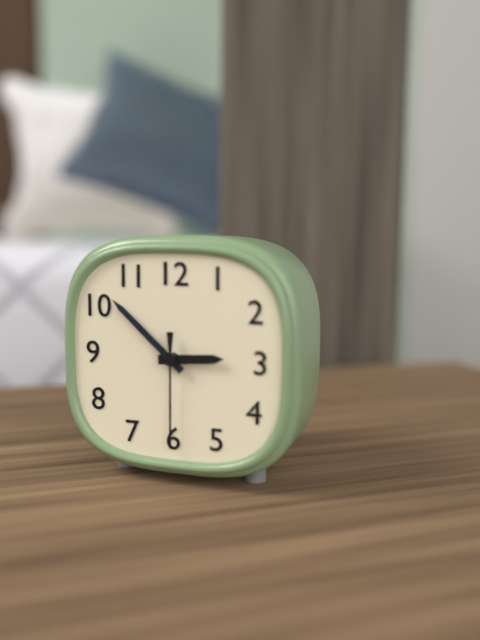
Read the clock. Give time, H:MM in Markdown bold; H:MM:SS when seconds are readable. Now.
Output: **2:52:30**
